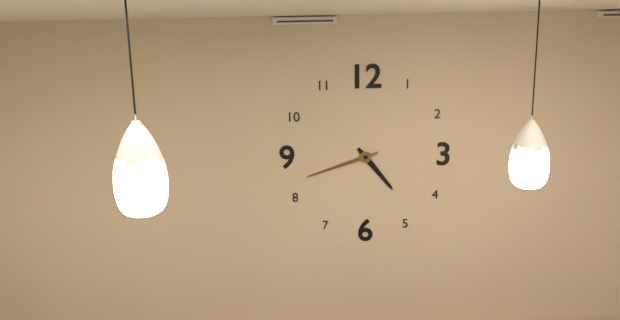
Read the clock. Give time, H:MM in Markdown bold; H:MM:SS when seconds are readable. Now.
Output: **4:42**
